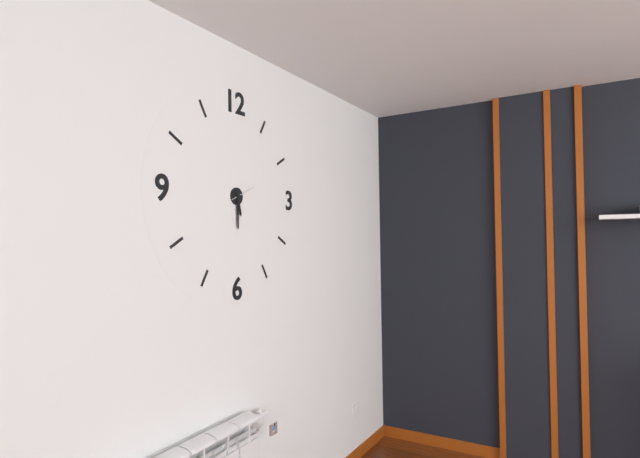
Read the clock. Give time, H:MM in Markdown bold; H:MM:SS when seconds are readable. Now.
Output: **5:30**
